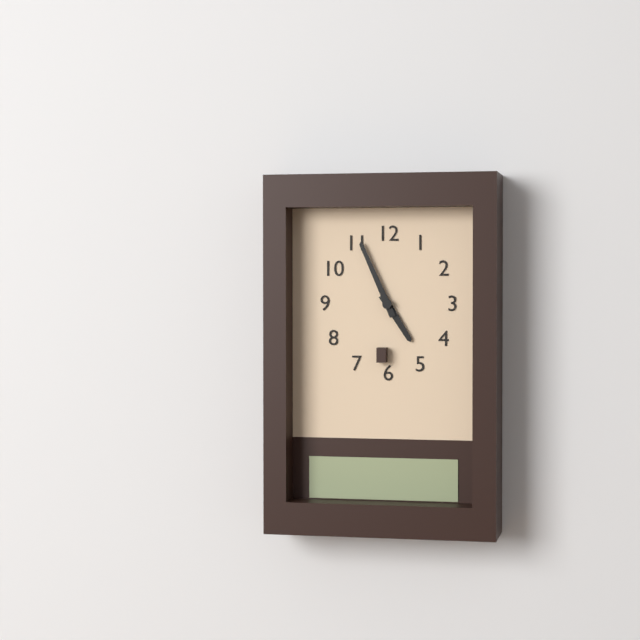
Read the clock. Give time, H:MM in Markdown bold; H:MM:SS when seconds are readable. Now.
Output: **4:56**
